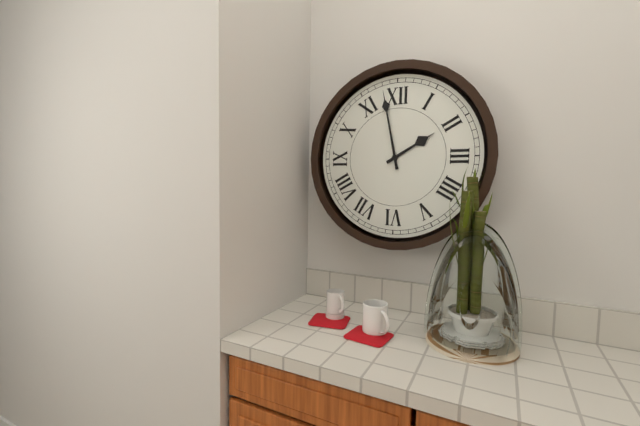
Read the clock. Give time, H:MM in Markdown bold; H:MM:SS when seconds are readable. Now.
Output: **1:58**
